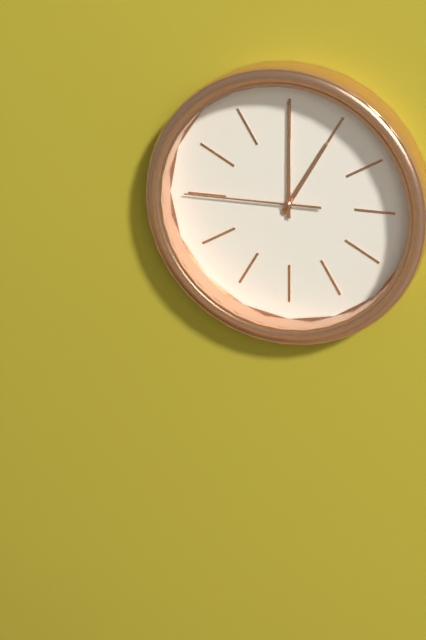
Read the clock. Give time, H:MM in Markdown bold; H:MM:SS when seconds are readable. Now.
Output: **1:00:45**
